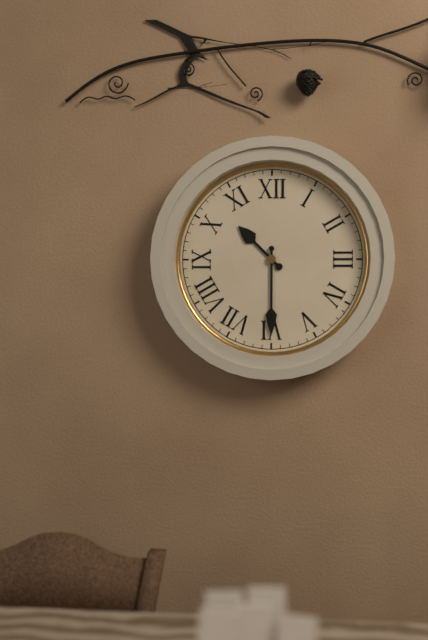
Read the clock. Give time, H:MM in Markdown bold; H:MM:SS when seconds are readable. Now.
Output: **10:30**
